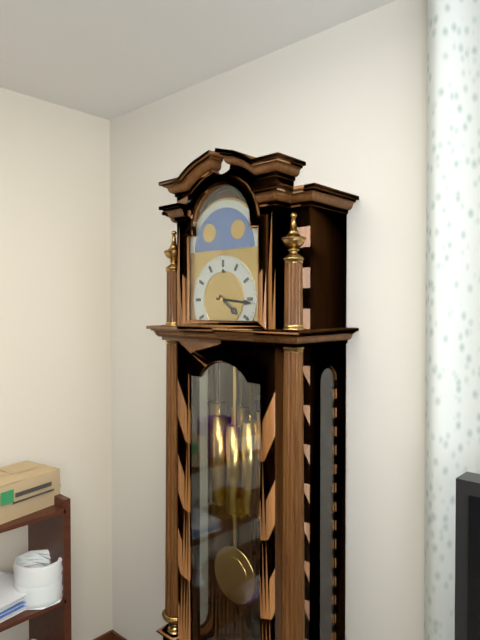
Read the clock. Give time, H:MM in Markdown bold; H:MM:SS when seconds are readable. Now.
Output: **4:16**
